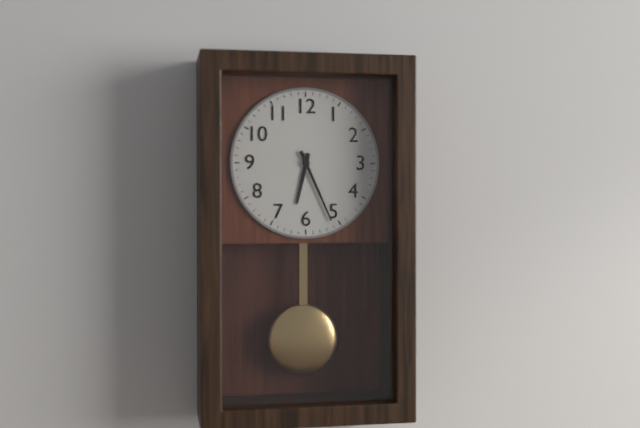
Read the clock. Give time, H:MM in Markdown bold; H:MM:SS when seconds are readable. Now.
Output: **6:26**
